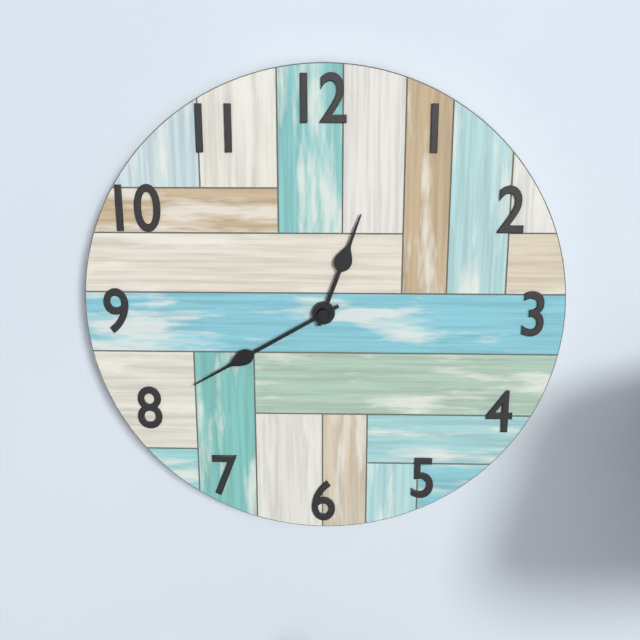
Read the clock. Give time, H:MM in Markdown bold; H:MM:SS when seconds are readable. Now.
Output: **12:40**
